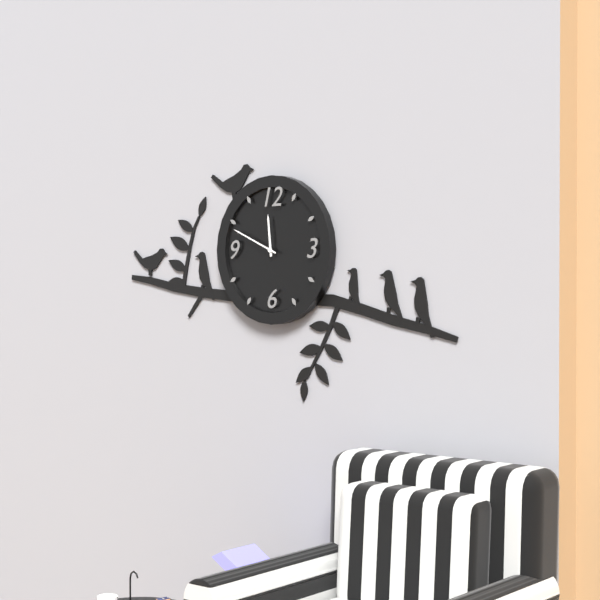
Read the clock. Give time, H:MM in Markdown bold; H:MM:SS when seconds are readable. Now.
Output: **11:49**
